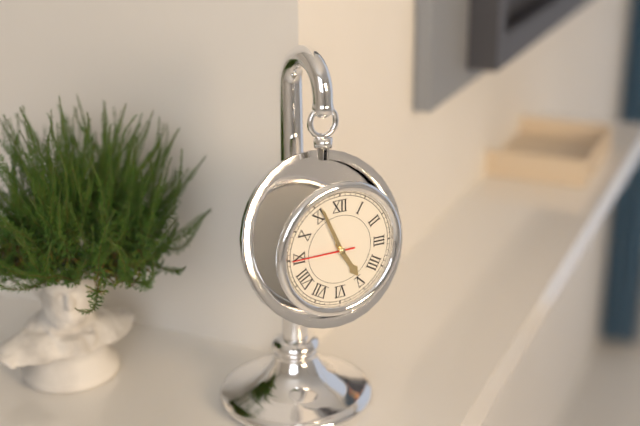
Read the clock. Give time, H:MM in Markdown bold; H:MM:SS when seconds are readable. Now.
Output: **4:56:45**
